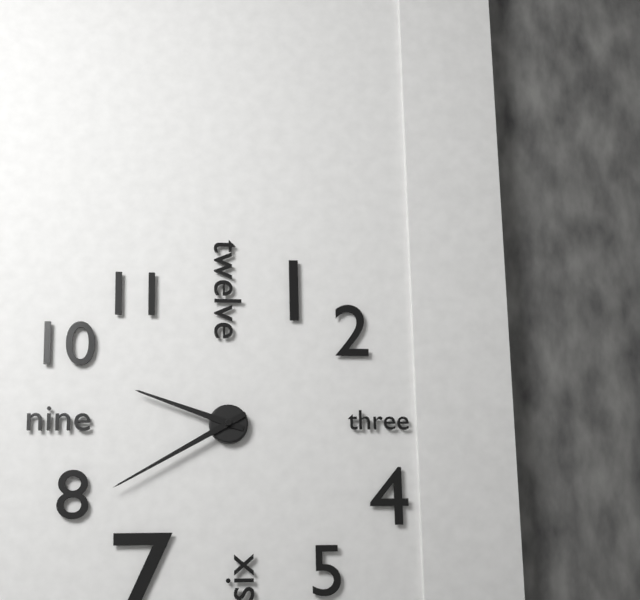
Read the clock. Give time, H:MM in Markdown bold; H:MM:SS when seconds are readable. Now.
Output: **9:40**
